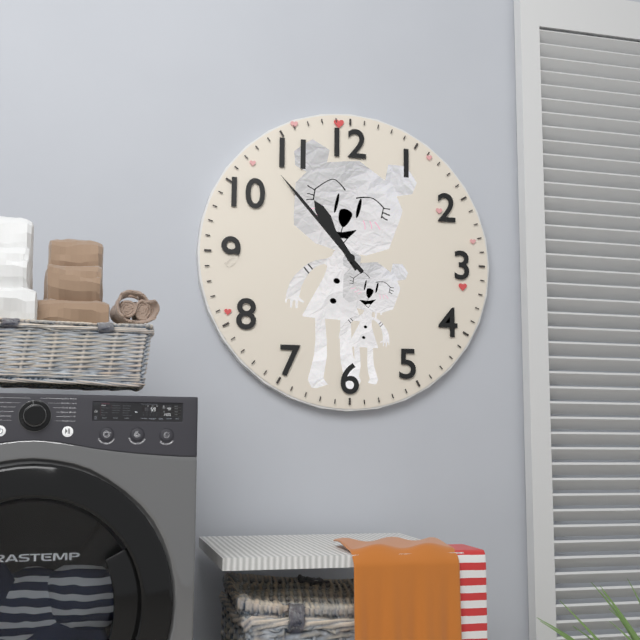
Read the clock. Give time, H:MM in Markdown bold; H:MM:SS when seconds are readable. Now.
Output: **10:53**
